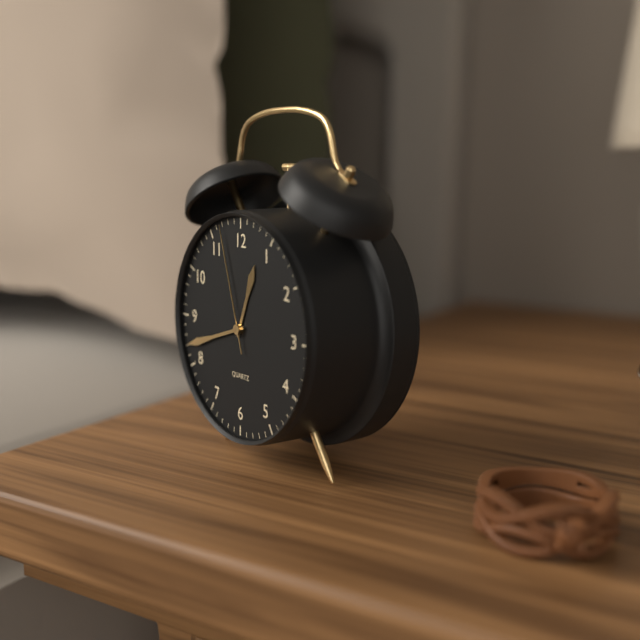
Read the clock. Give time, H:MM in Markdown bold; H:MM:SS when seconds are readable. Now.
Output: **12:42:57**
